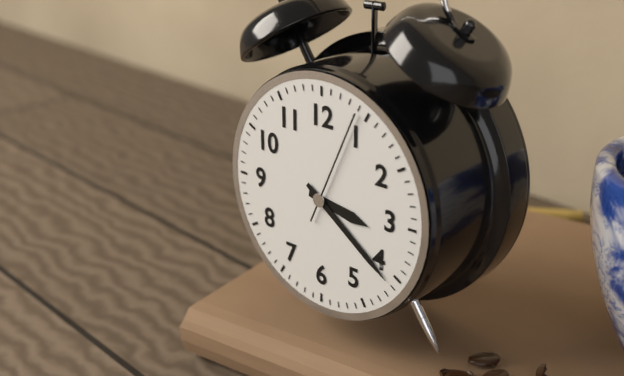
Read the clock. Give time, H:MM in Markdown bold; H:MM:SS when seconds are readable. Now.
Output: **3:21:04**
